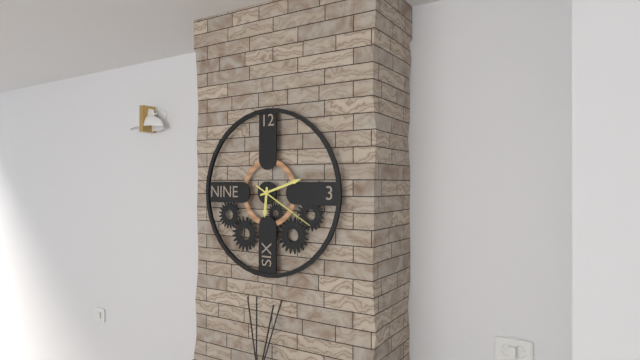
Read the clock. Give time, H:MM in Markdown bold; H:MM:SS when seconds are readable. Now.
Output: **6:12:20**
